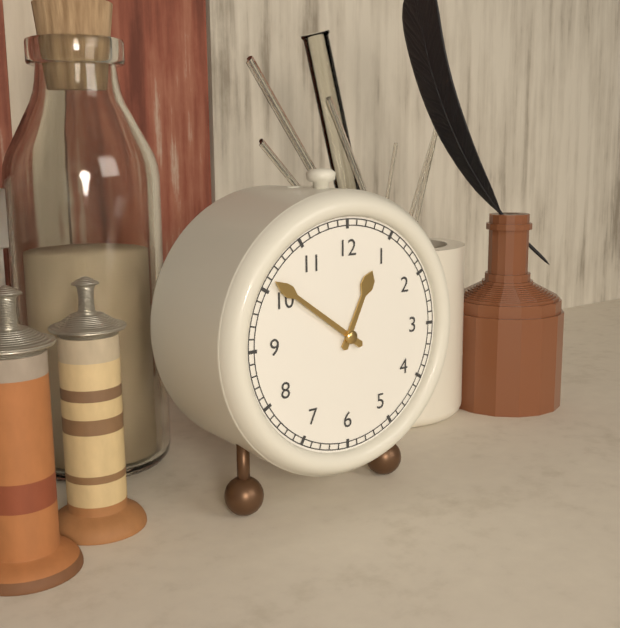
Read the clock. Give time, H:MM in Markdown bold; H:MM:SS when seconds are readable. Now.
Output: **12:51**
